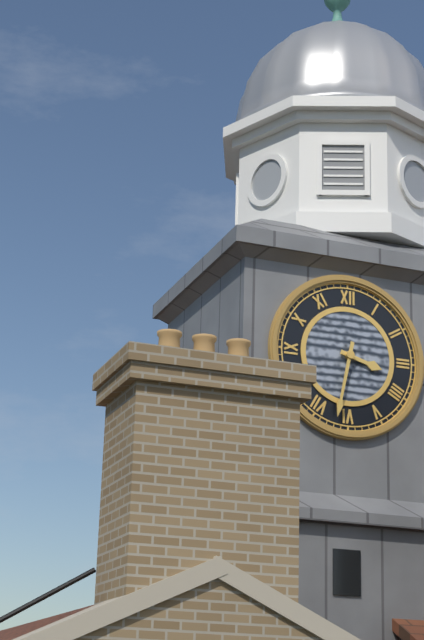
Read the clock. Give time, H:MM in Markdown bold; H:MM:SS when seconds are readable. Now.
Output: **3:32**
